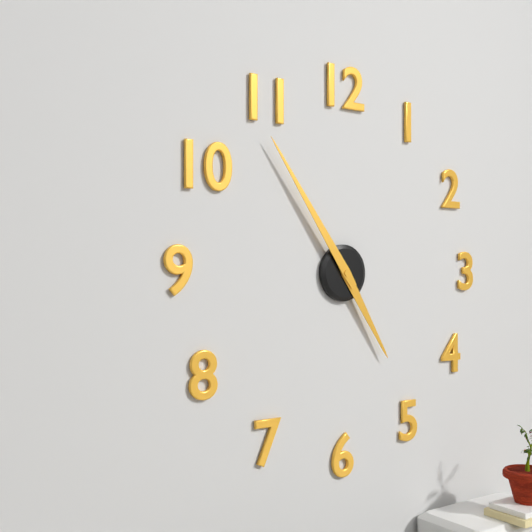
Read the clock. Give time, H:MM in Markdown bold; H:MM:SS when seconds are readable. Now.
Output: **4:54**
